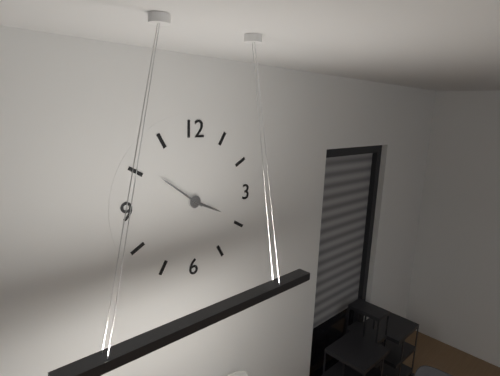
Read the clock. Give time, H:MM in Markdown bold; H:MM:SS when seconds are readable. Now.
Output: **3:51**
